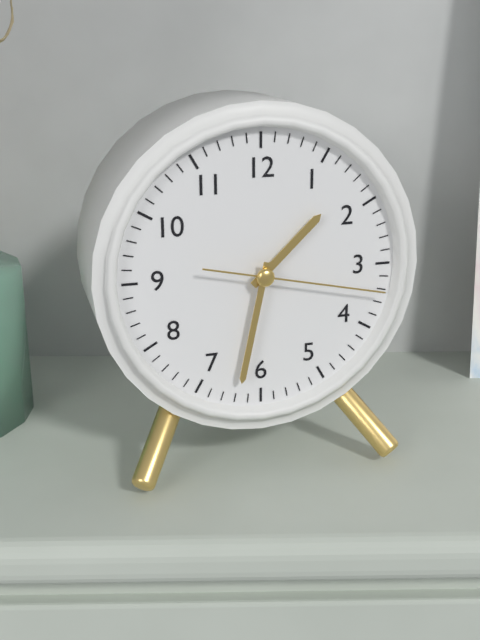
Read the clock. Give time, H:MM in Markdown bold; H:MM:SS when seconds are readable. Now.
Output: **1:32:17**
